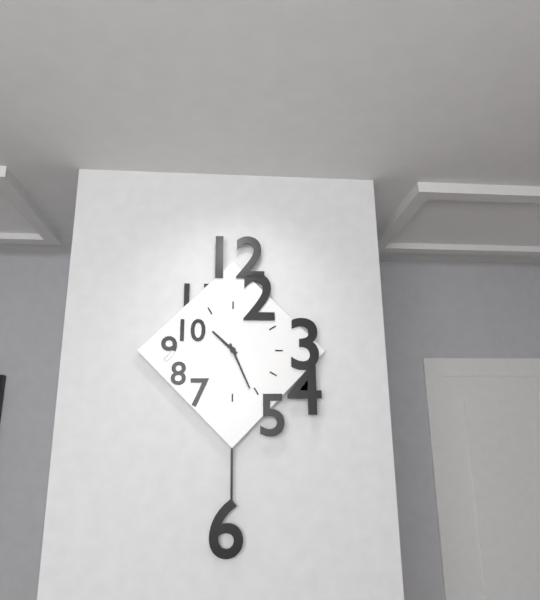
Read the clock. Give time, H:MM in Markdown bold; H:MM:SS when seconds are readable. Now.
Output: **10:26**
